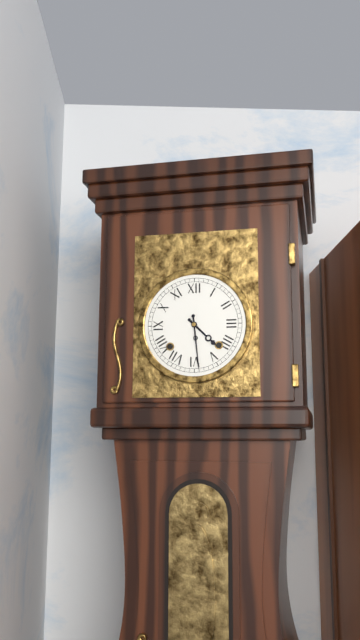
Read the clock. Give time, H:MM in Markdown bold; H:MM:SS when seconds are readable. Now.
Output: **4:29**
